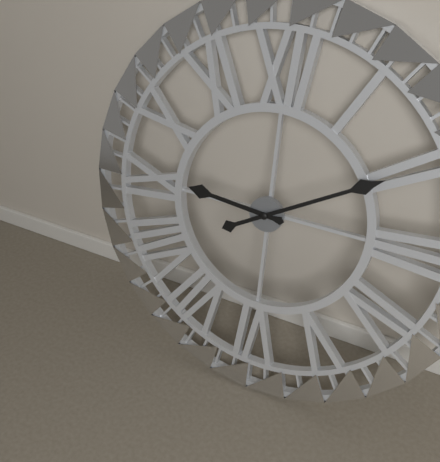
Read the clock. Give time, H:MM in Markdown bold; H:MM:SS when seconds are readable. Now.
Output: **9:10**
